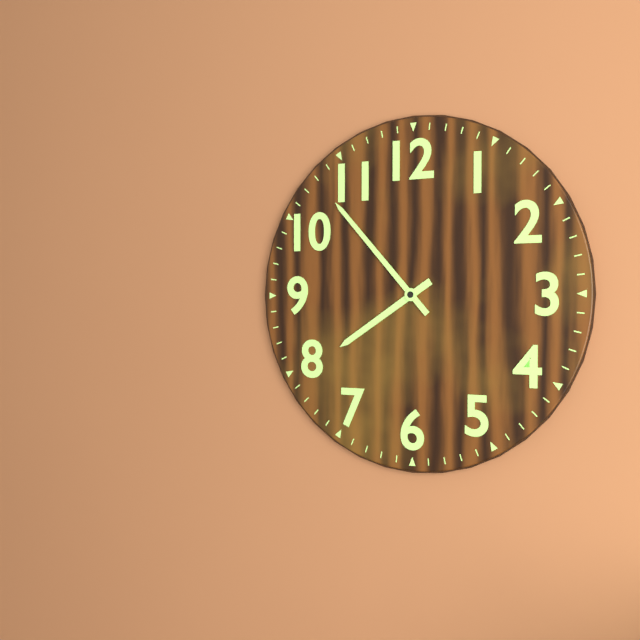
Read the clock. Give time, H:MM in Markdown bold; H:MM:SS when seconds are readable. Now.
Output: **7:53**
